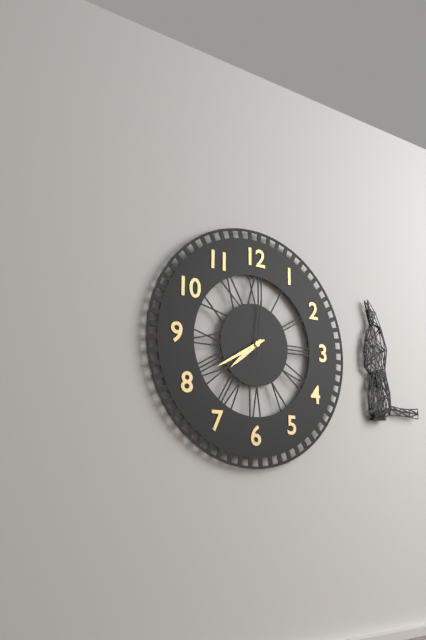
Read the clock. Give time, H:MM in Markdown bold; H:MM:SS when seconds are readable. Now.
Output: **7:40:01**
